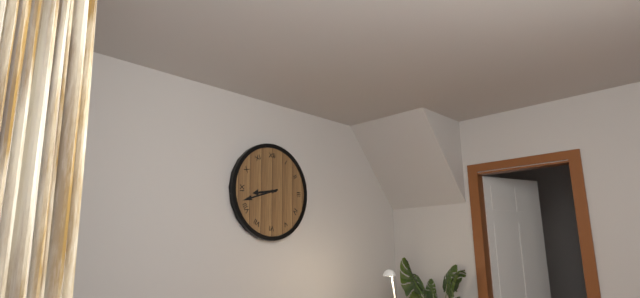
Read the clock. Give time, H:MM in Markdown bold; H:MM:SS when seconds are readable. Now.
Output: **8:42**
